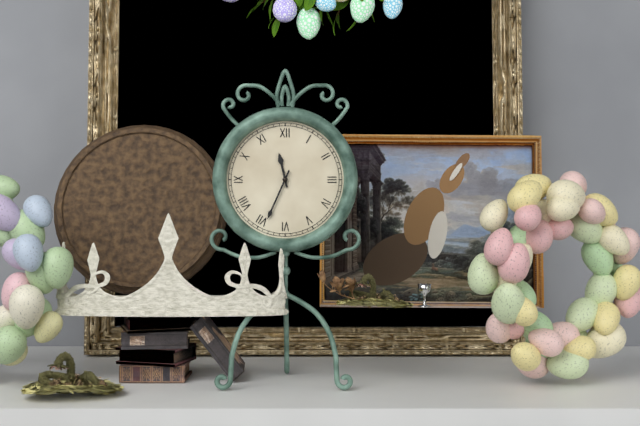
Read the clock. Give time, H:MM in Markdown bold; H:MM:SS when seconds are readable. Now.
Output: **11:34**
